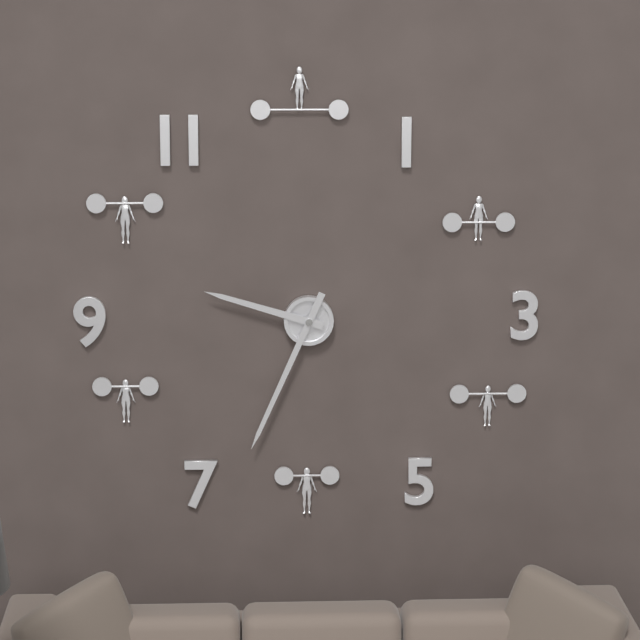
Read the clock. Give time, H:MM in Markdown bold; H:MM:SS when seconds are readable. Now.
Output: **9:34**
